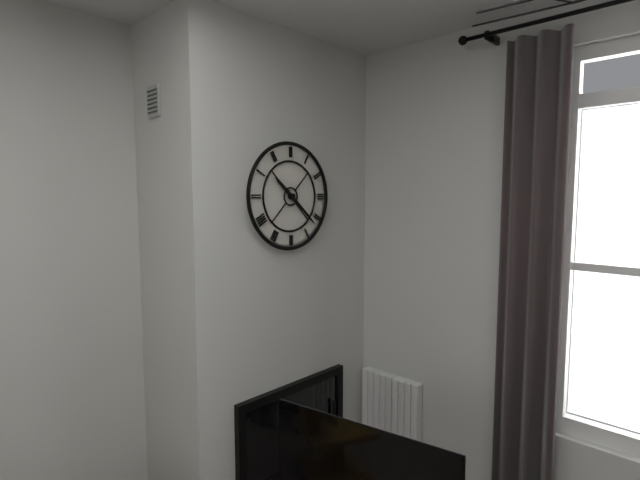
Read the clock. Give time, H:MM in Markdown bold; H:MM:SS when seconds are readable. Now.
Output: **10:22**
